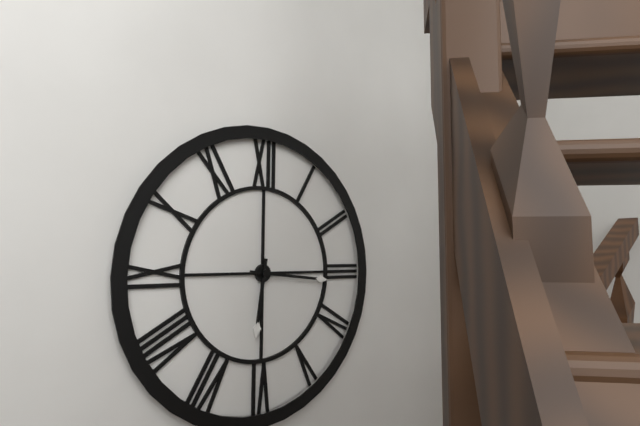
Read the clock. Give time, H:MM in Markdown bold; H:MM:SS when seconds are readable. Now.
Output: **6:16**
